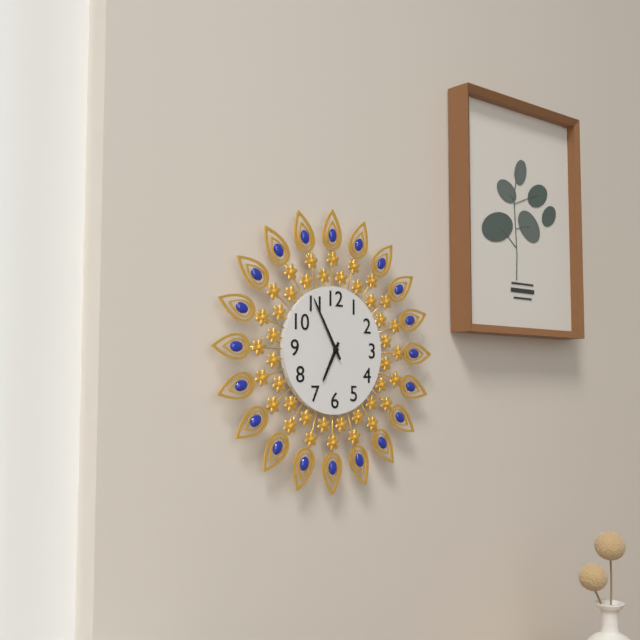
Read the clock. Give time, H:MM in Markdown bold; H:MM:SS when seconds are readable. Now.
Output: **6:55**
